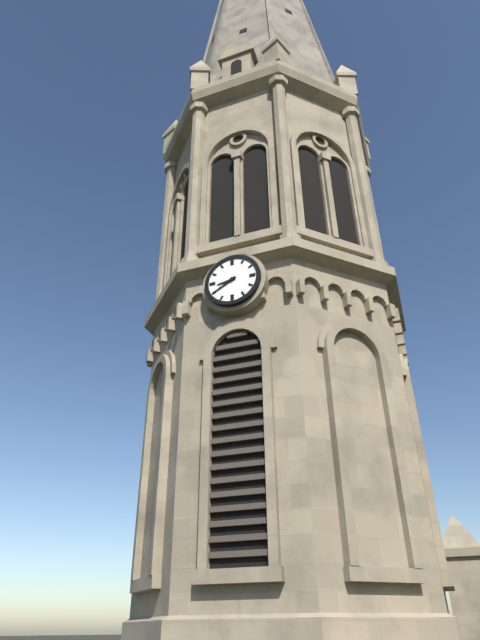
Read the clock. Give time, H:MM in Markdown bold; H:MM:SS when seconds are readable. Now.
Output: **8:40**
